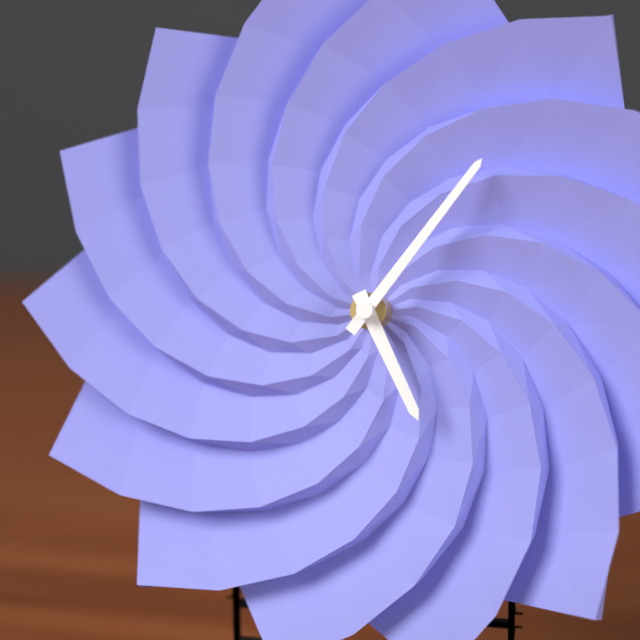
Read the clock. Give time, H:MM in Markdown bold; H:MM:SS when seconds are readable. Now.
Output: **5:06**
